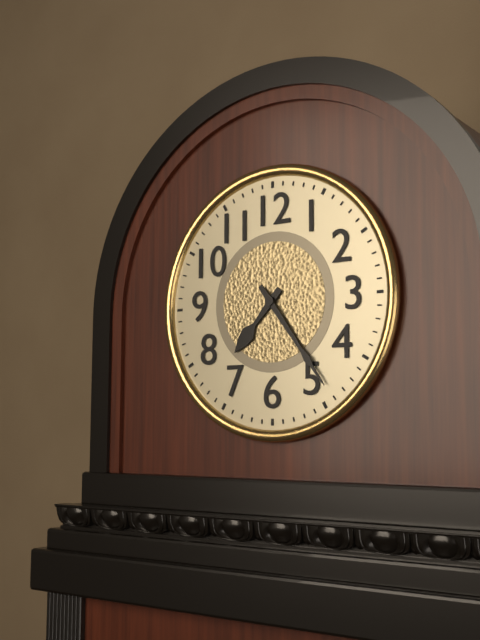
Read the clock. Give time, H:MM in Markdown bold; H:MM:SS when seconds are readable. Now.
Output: **7:24**
